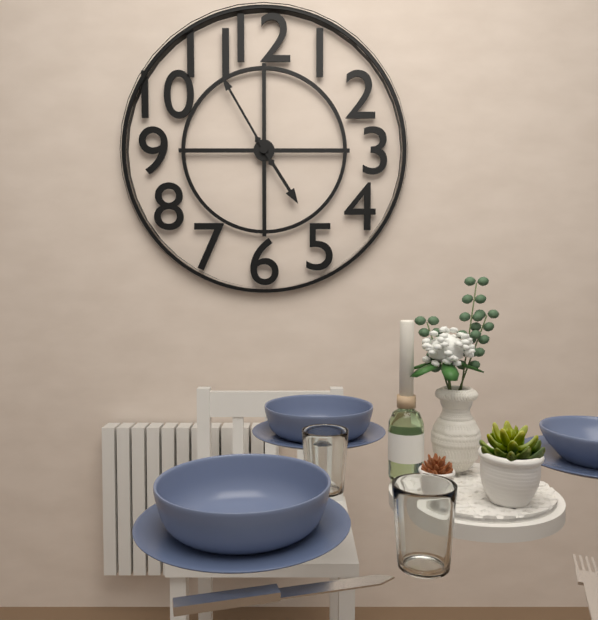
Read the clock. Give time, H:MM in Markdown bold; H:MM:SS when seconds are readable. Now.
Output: **4:55**
